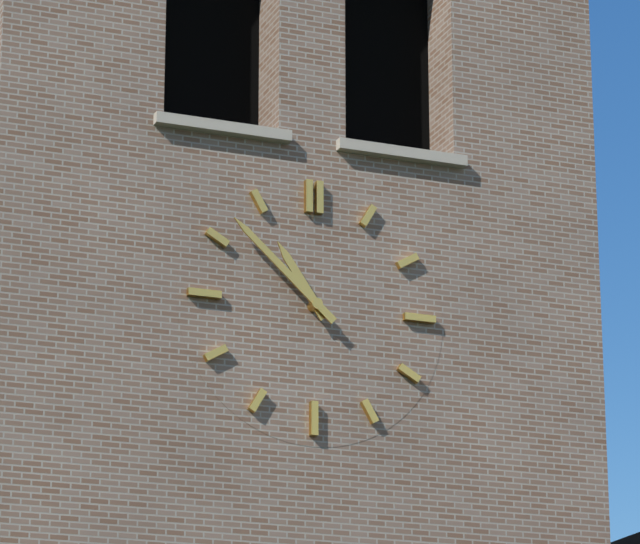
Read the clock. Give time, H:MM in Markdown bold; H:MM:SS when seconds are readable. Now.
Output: **10:52**
